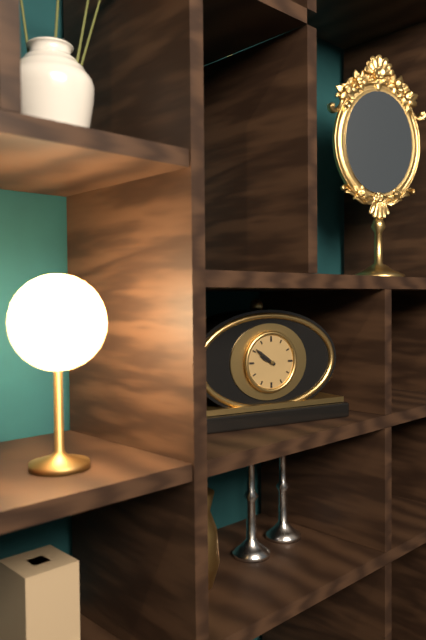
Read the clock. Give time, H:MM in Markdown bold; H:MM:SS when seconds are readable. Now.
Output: **9:51**
